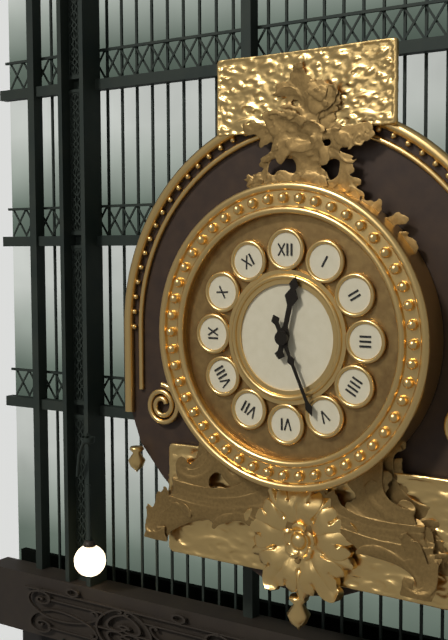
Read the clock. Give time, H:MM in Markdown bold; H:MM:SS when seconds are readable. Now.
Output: **12:26**
